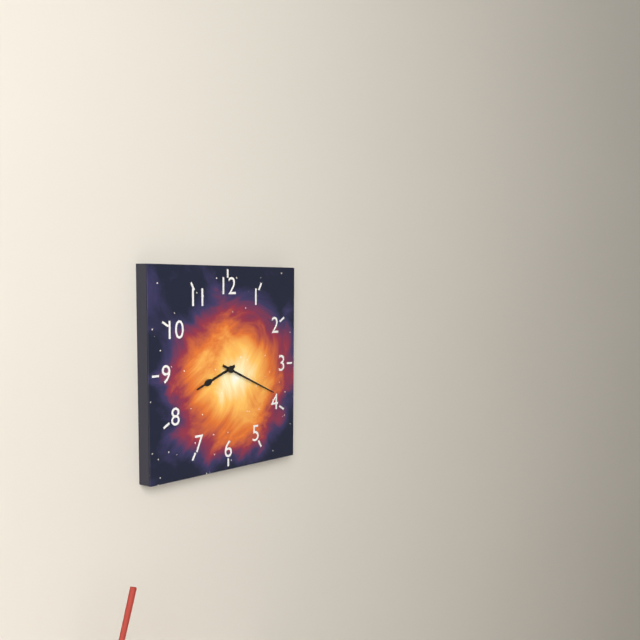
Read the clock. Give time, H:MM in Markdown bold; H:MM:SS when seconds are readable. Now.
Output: **8:19**
